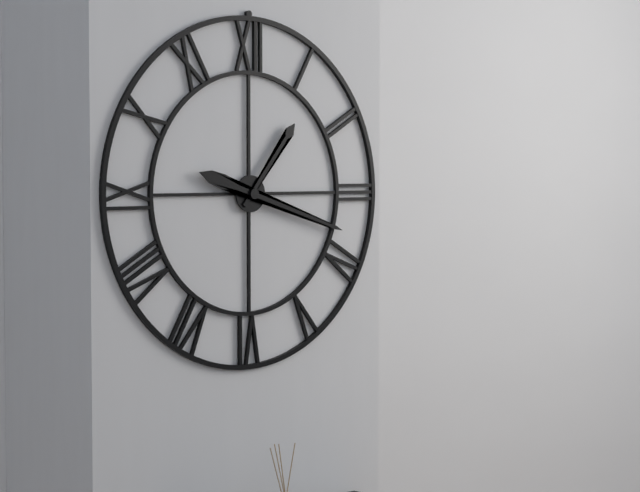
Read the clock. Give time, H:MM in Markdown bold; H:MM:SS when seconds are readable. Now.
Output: **1:18**
